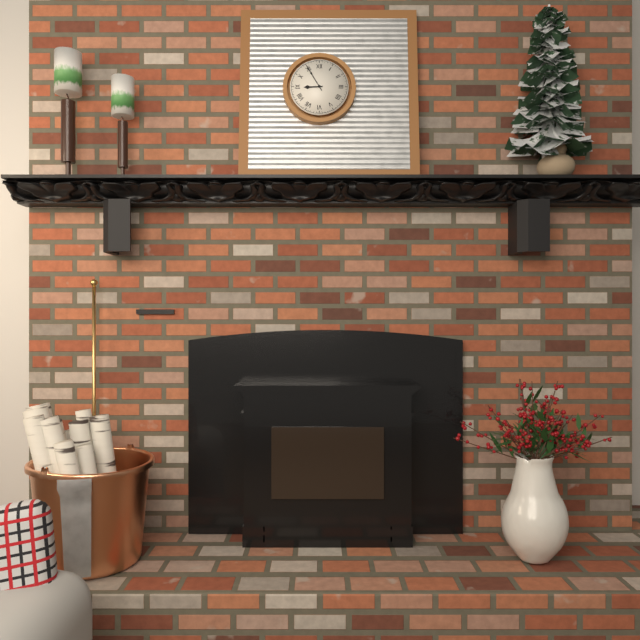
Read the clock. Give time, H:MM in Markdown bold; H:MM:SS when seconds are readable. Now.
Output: **8:55**
